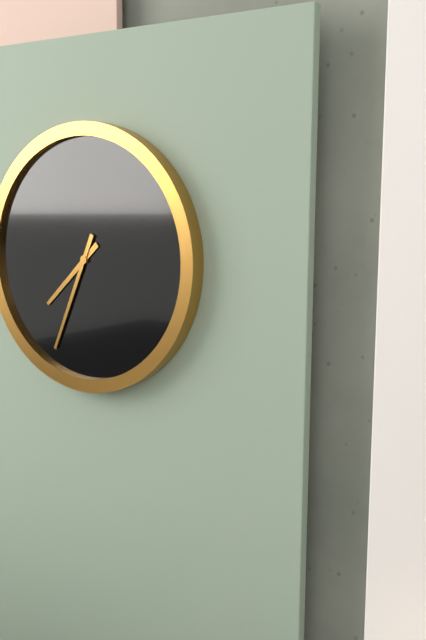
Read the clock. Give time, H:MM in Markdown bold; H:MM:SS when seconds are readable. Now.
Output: **7:34**
